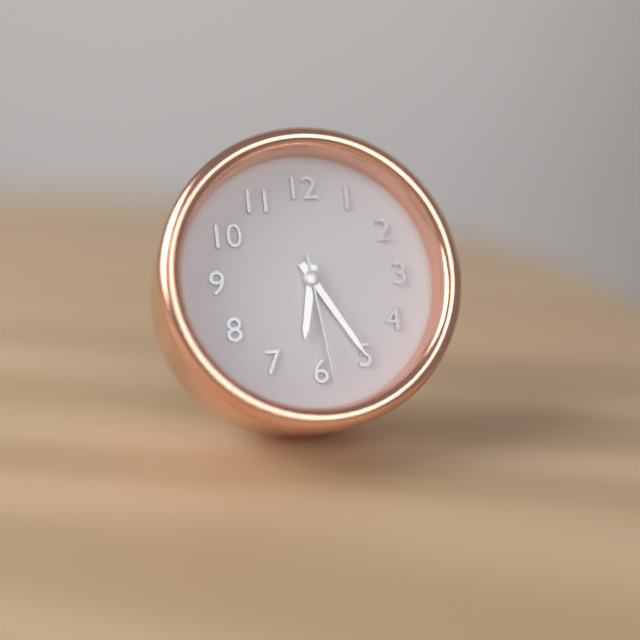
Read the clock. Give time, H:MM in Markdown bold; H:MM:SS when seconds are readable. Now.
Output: **6:25:29**
